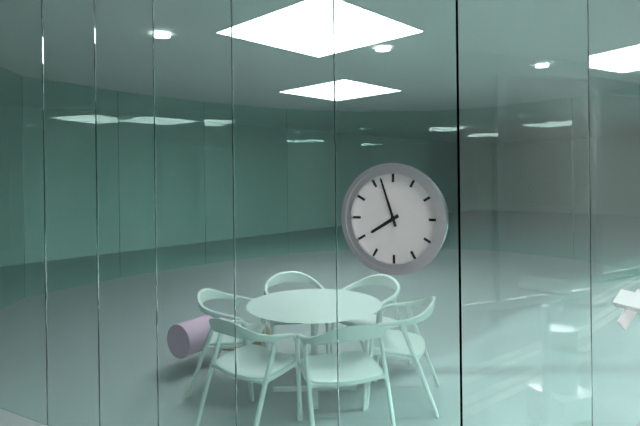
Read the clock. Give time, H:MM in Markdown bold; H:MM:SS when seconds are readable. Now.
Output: **7:57**
